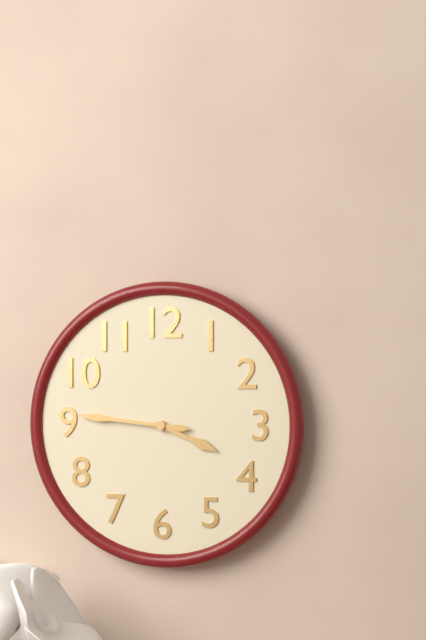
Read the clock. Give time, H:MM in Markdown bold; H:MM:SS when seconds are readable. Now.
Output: **3:46**
